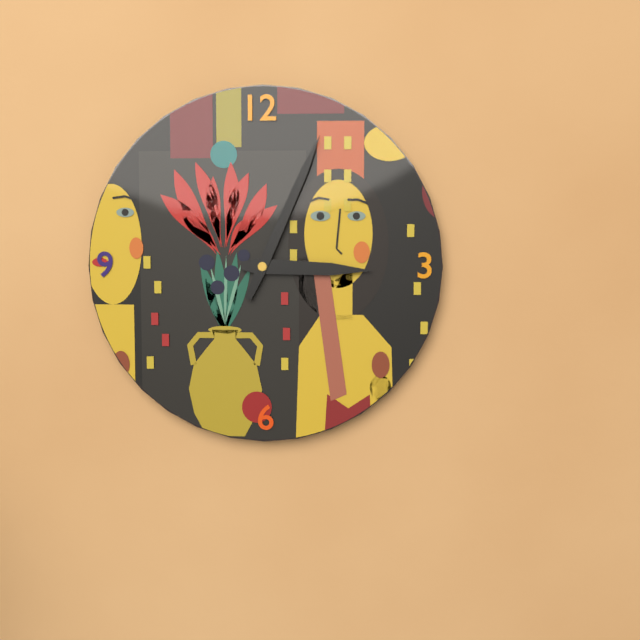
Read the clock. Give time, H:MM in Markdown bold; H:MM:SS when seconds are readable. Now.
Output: **3:04**
